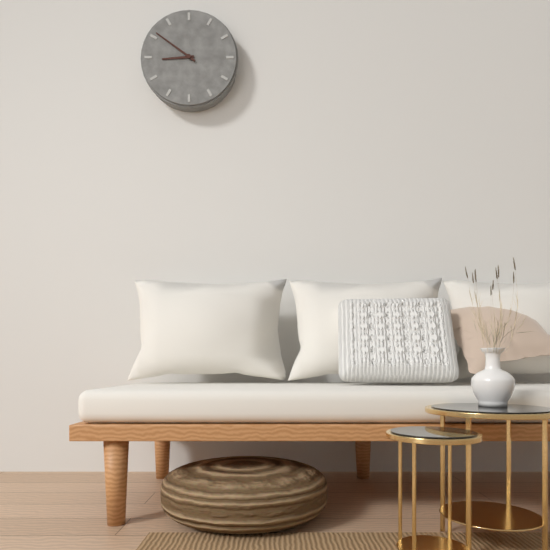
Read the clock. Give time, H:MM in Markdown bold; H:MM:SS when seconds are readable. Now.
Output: **8:51**
